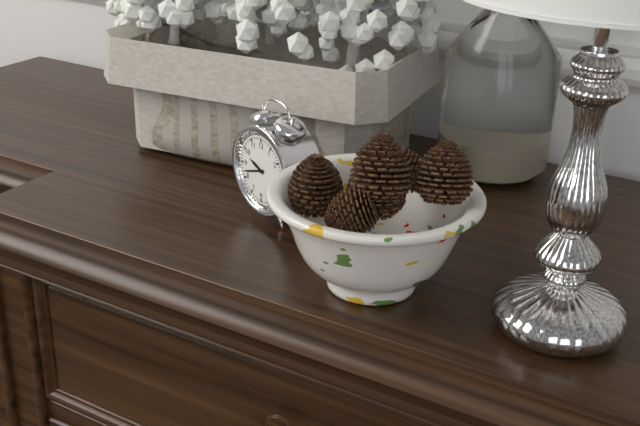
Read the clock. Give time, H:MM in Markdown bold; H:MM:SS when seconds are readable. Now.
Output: **9:42**
